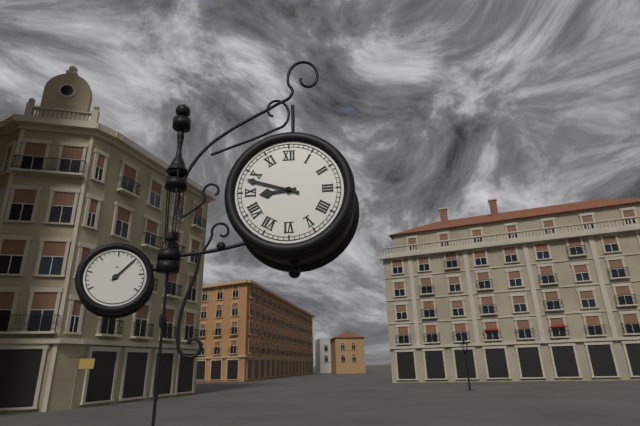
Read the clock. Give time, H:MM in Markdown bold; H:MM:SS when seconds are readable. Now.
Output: **8:48**
